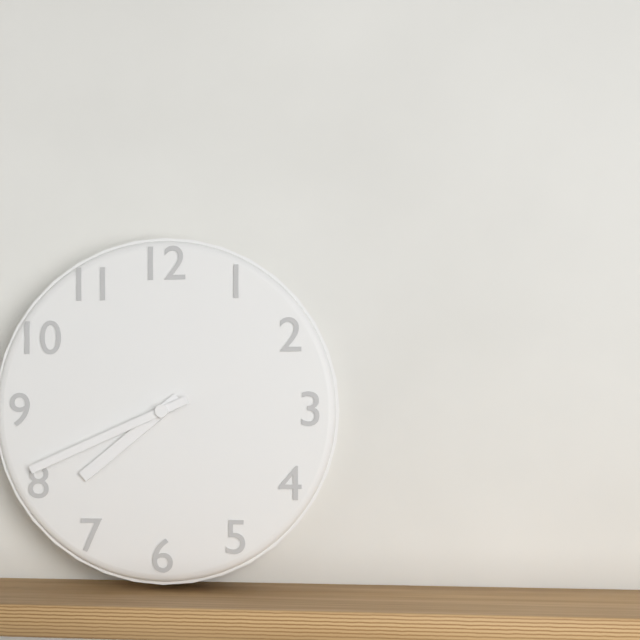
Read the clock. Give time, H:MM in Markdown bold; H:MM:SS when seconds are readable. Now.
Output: **7:41**
